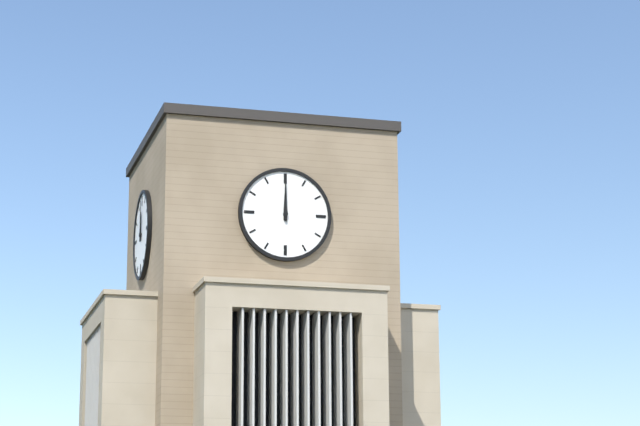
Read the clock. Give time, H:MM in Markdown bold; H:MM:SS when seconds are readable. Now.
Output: **12:00**
